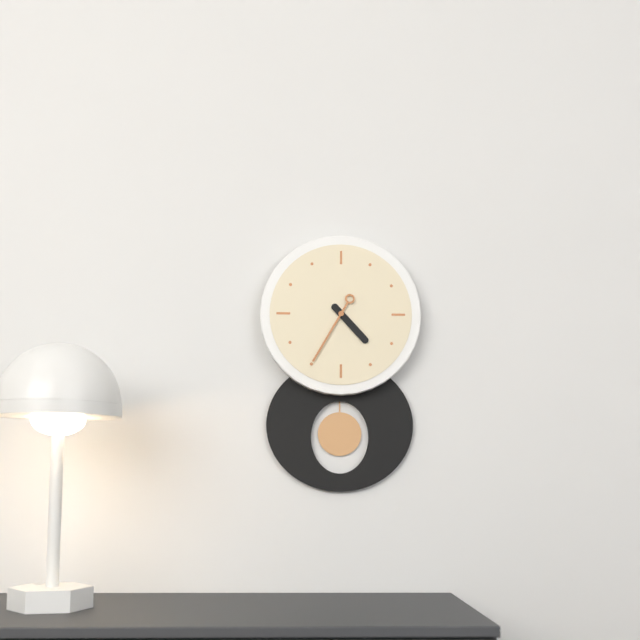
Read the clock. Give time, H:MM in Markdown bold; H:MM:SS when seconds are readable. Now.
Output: **4:35**
